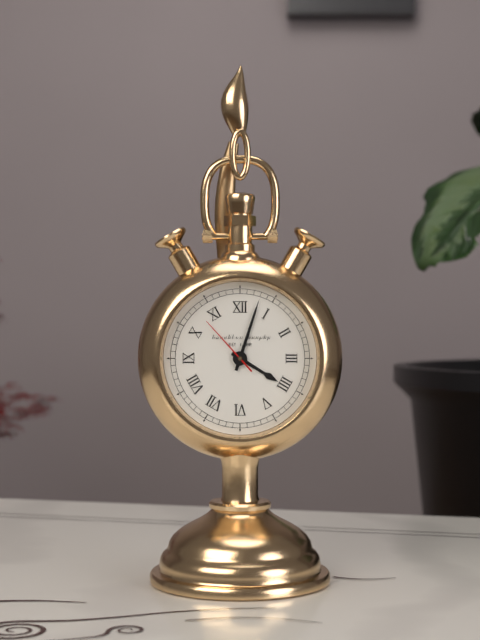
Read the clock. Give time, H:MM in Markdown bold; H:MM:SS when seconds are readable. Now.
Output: **4:03:53**
